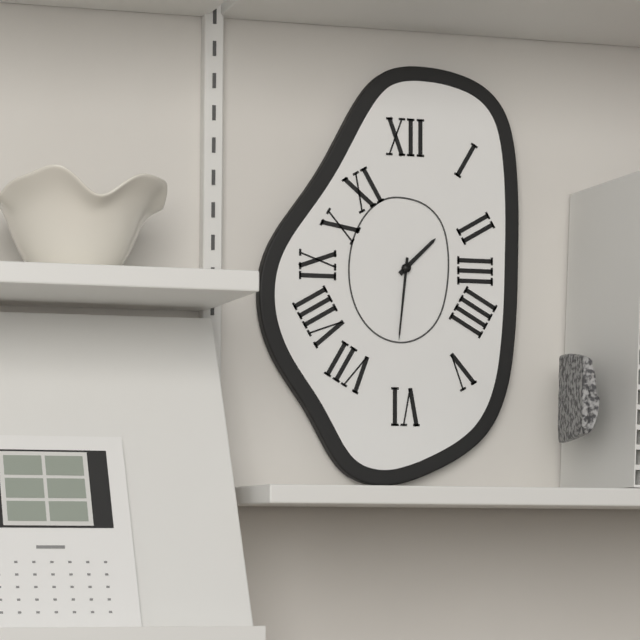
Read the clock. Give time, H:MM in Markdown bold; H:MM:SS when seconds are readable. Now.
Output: **1:31**
